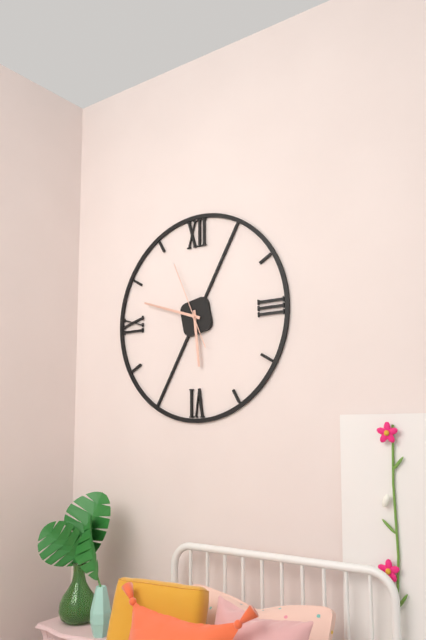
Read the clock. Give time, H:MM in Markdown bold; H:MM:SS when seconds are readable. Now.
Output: **5:48:56**
